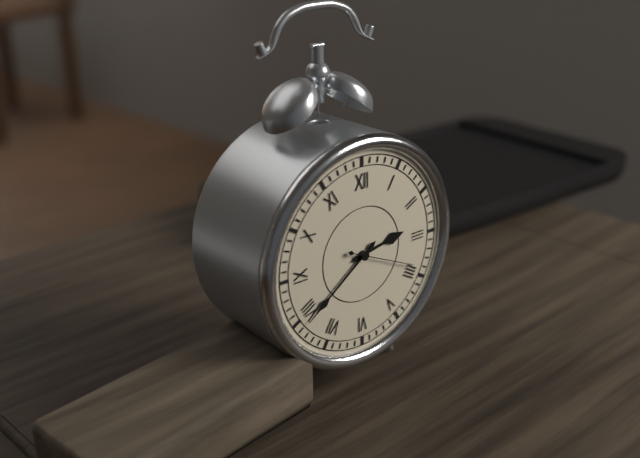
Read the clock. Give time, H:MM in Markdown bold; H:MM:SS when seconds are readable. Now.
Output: **2:39:19**
